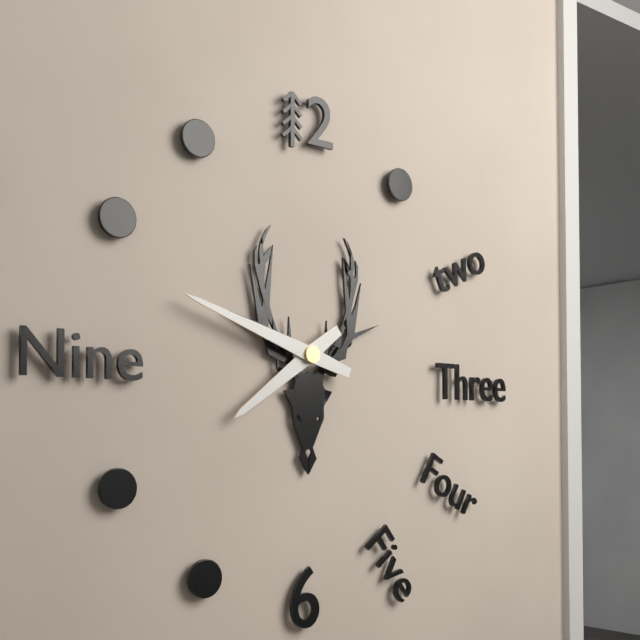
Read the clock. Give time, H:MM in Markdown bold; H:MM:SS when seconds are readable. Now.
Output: **7:48**
